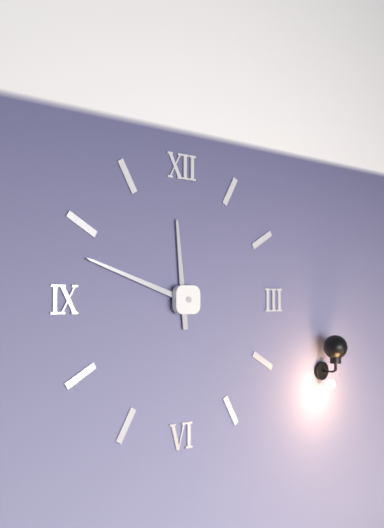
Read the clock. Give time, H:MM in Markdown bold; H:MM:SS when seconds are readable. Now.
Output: **11:48**
